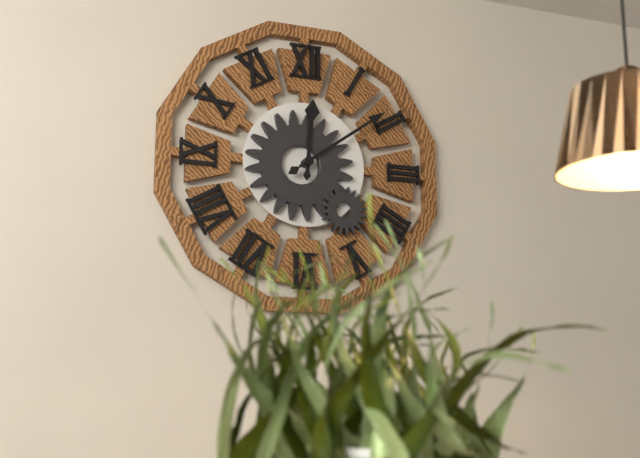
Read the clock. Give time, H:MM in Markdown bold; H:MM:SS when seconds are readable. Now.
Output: **12:09**
